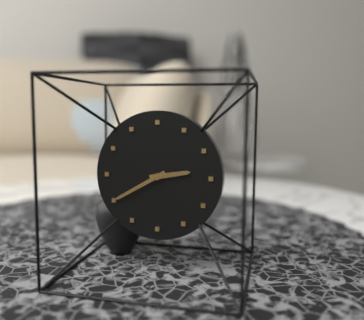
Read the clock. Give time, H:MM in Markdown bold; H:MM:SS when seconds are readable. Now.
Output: **2:40**
